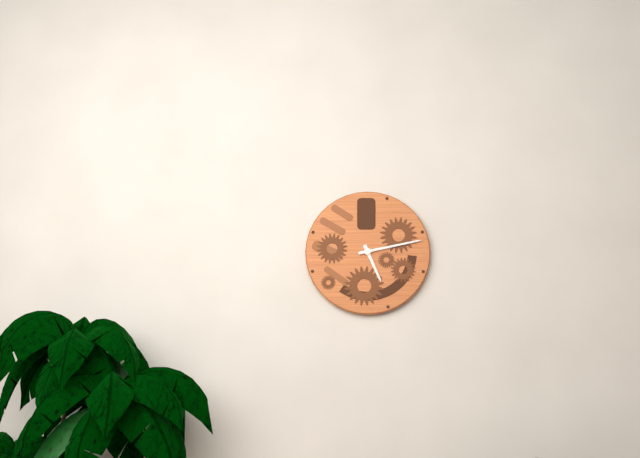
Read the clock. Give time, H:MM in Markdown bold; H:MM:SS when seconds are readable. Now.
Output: **5:13**
